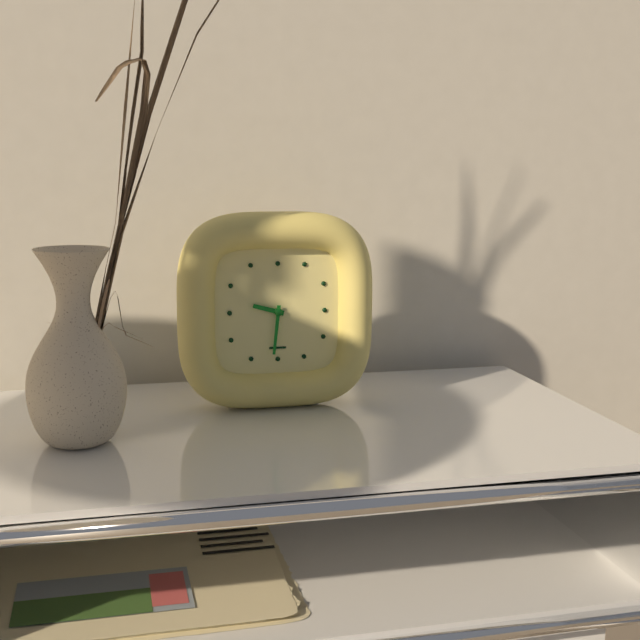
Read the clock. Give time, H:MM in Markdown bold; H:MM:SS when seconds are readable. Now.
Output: **9:31**
